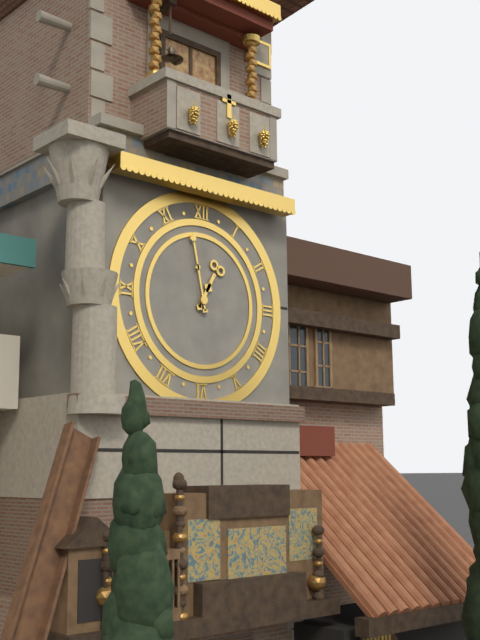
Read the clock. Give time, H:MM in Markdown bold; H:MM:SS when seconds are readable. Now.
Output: **12:58**
